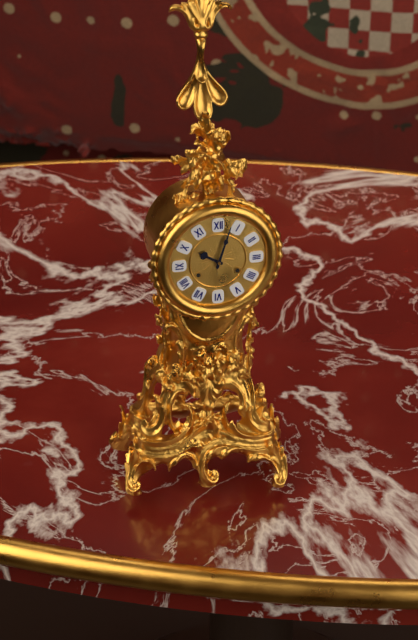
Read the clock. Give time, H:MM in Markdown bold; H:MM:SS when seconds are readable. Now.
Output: **10:03**
